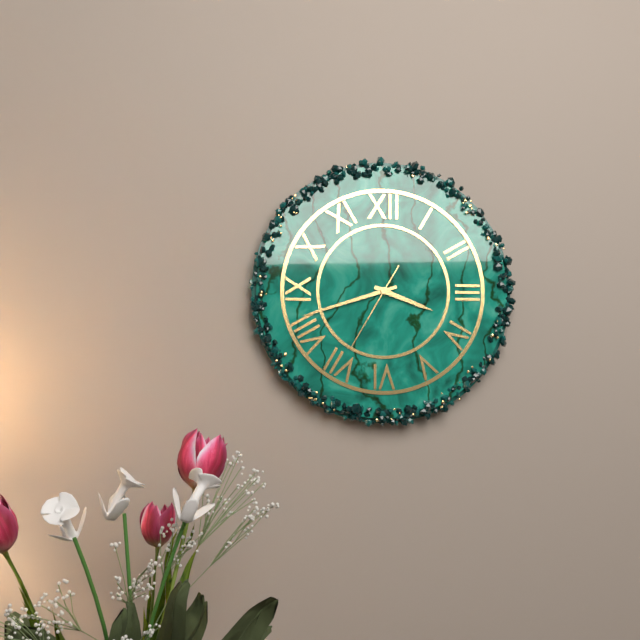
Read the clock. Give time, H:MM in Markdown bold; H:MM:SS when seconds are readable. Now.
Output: **3:42:35**
